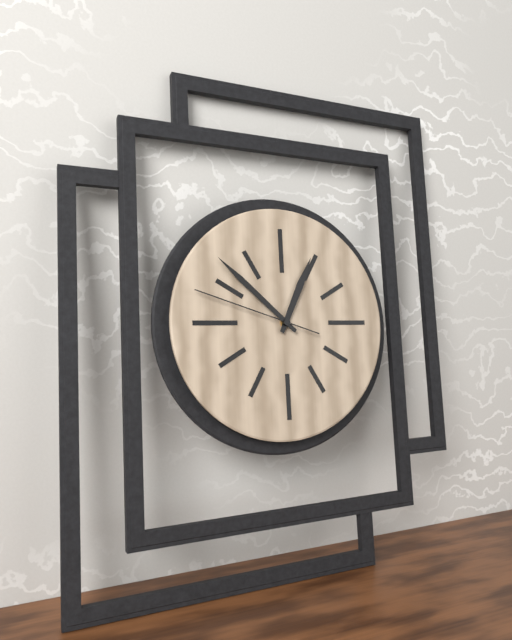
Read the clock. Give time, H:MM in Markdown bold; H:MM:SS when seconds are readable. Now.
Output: **12:52:48**
